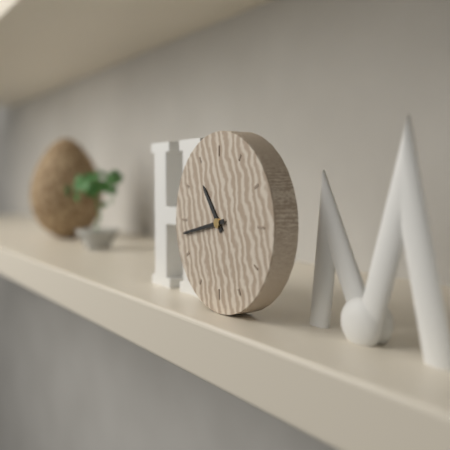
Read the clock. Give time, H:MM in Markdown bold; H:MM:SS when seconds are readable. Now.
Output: **10:43**
